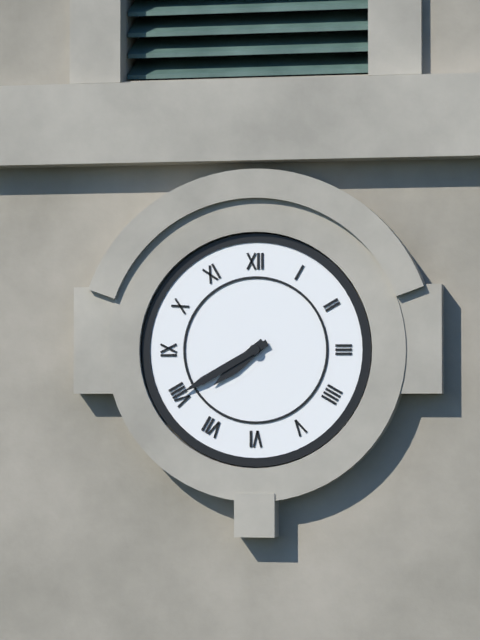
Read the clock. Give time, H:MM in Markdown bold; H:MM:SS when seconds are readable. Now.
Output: **7:40**
